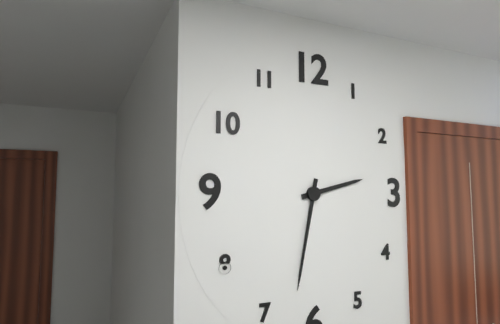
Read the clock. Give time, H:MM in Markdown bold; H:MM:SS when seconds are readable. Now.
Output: **2:32**
